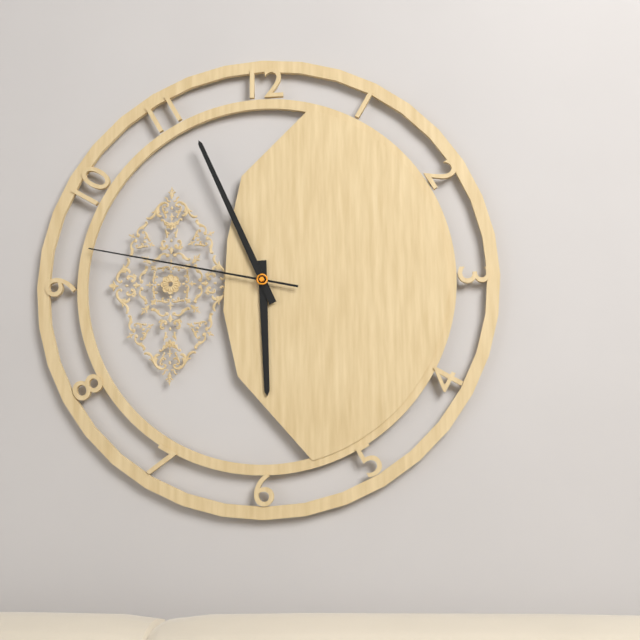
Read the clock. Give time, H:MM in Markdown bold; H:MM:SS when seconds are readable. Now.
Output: **5:56:47**
